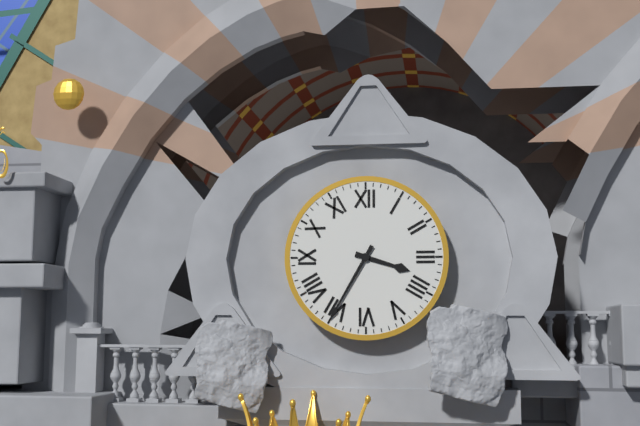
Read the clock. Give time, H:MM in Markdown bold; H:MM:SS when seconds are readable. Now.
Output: **3:35**
